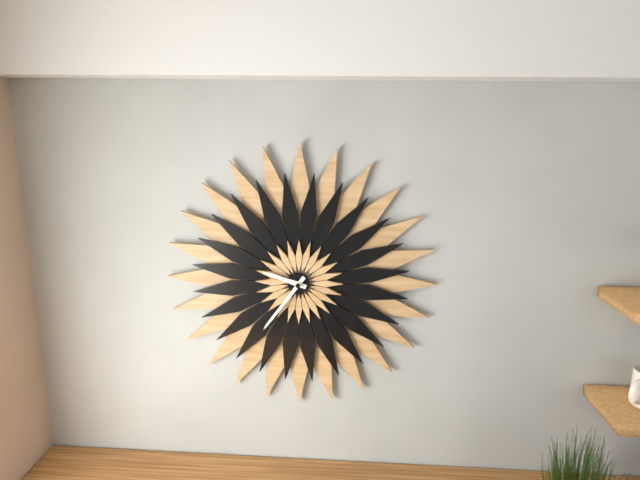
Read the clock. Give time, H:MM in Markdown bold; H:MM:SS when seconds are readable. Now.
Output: **9:36**
